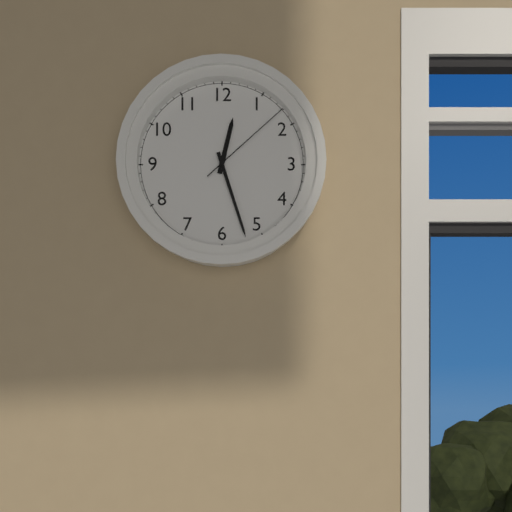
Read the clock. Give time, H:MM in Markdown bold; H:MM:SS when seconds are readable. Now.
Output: **12:27:08**
